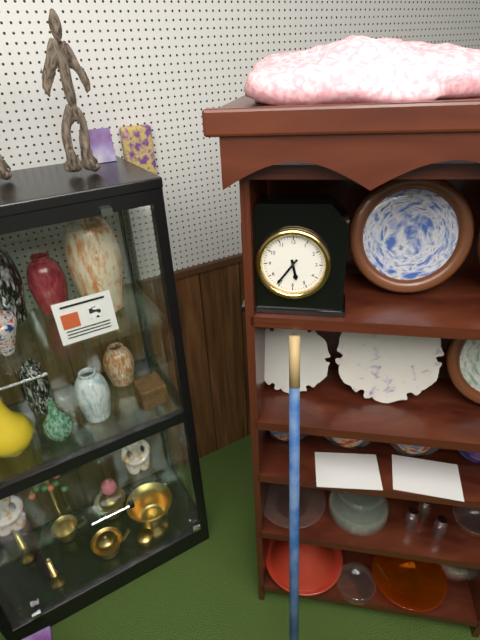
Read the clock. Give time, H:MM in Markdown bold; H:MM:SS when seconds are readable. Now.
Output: **5:36**
